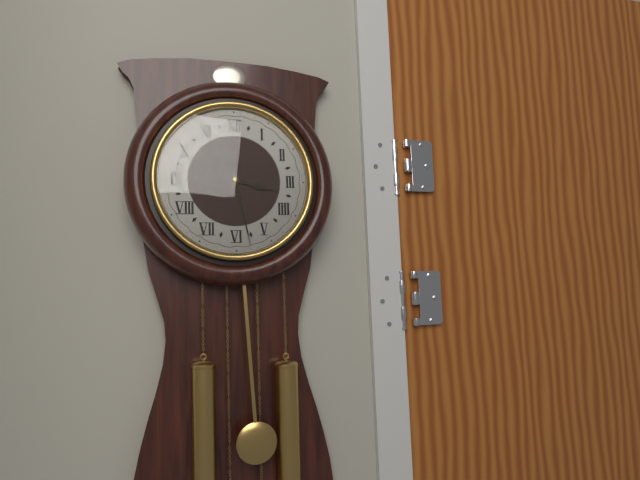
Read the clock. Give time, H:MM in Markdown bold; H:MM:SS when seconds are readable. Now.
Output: **3:28**
